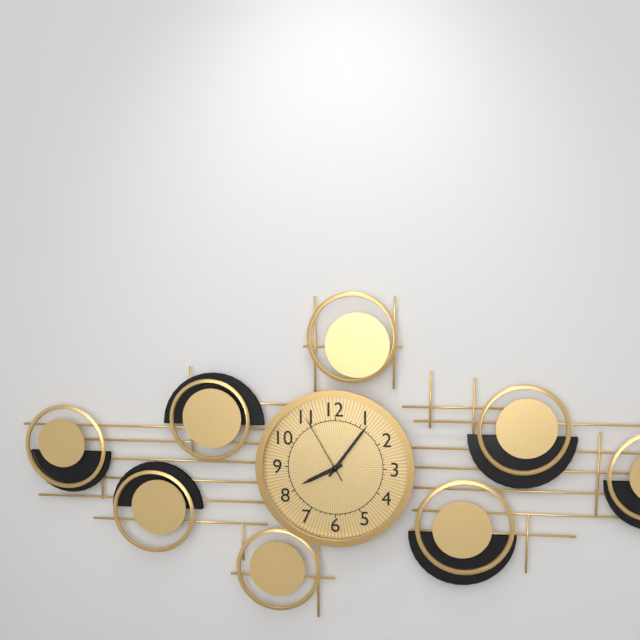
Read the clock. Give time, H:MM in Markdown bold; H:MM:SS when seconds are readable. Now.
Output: **8:06:55**
